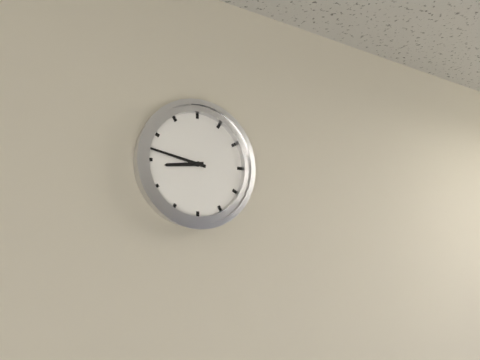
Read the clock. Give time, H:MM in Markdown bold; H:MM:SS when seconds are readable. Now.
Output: **8:47**
